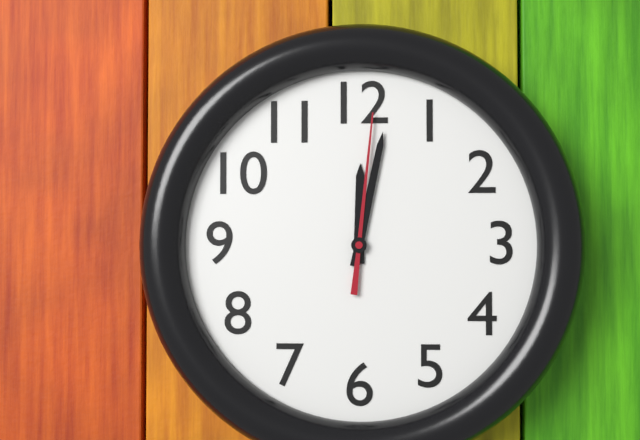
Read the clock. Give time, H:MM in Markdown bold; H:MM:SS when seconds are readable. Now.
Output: **12:02:01**
